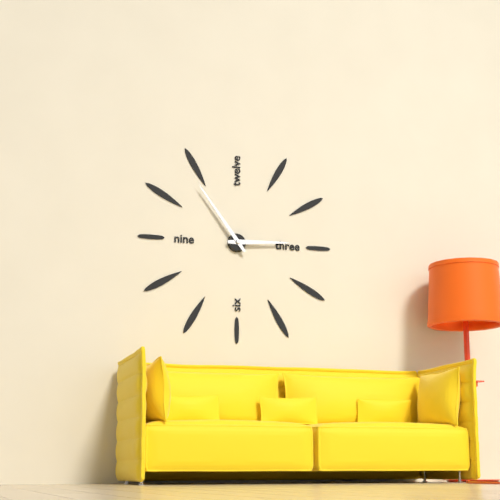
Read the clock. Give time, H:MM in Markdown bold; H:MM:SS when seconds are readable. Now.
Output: **2:54**
